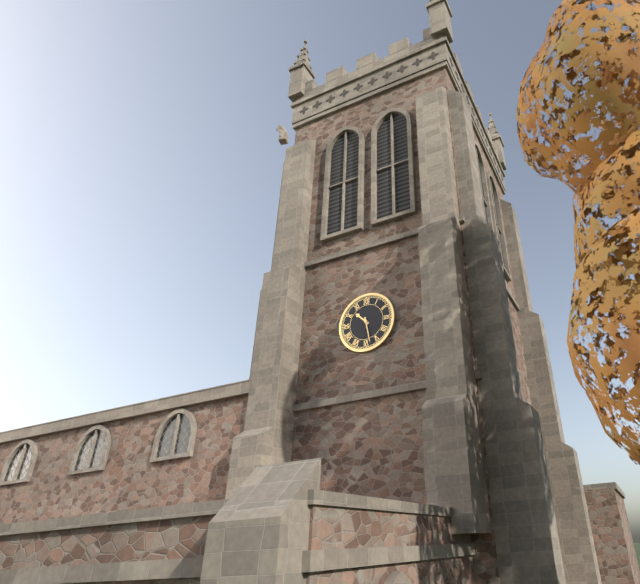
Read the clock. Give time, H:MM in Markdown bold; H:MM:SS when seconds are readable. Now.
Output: **10:28**
